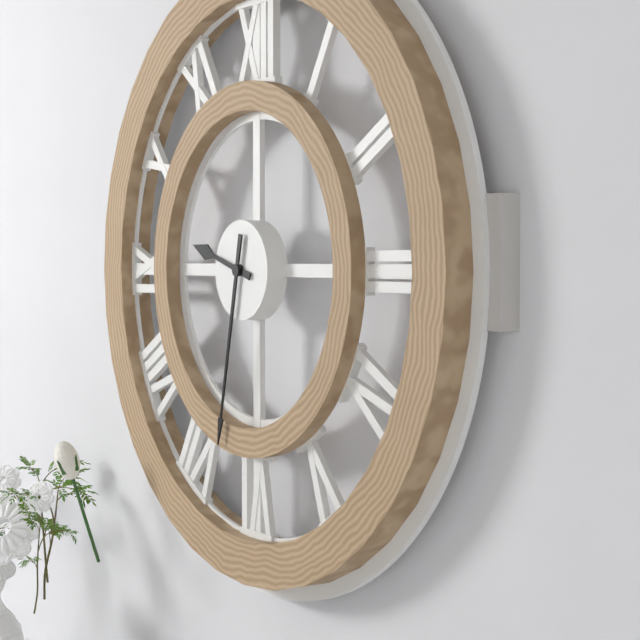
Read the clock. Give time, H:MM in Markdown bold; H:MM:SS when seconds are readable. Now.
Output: **9:32**
